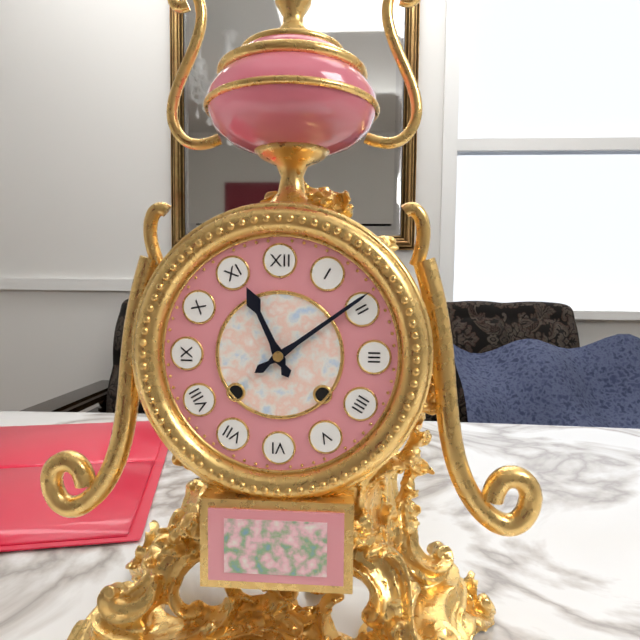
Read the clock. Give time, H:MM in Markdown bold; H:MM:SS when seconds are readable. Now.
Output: **11:09**
